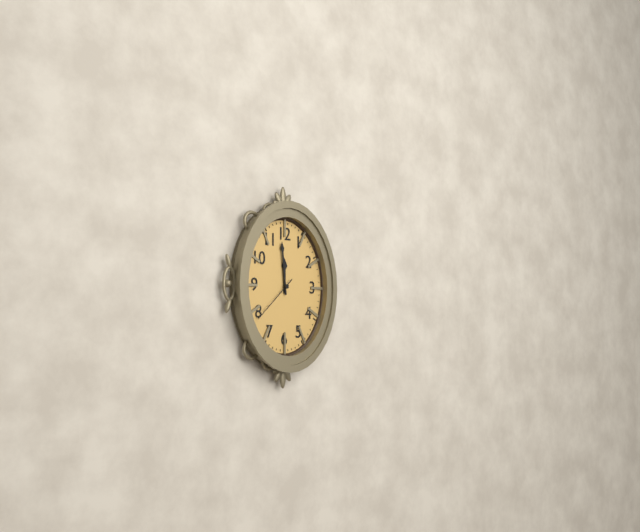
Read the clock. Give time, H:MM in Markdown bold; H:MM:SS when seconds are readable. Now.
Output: **11:59:38**
